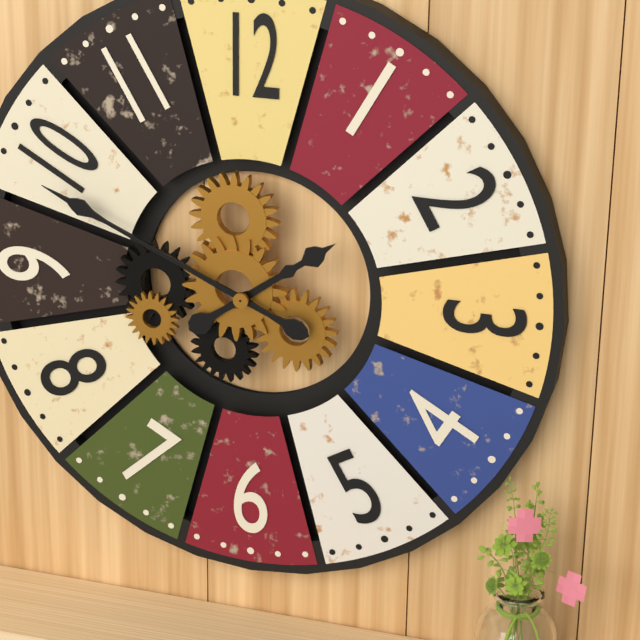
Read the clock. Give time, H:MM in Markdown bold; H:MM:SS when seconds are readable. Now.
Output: **1:49**
